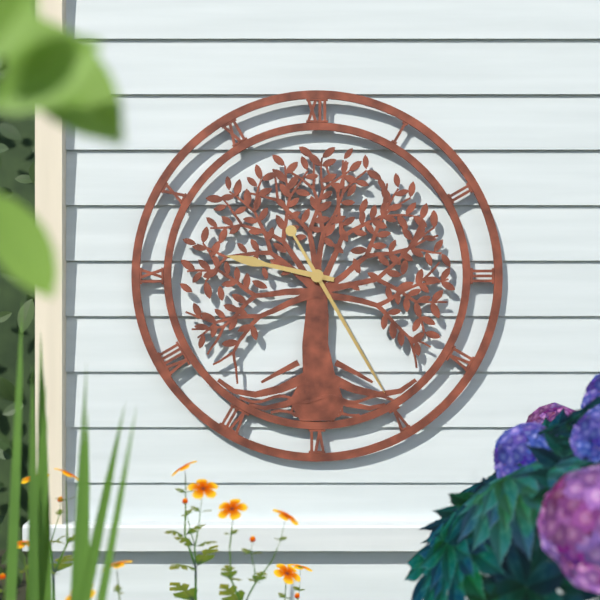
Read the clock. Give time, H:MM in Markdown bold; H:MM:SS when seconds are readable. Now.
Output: **9:25**
